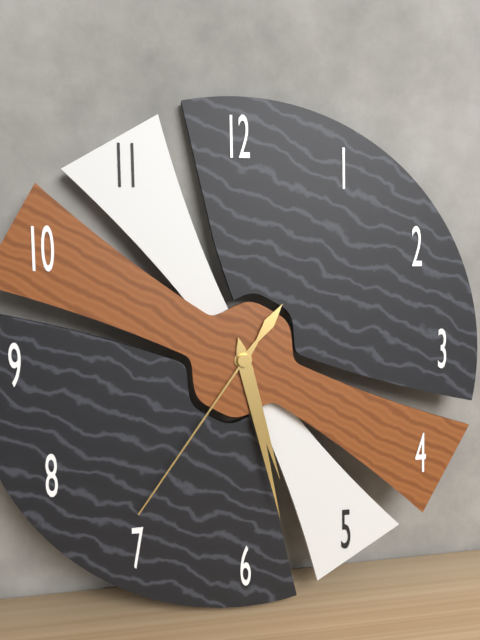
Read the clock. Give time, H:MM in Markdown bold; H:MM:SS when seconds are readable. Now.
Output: **5:28:36**
